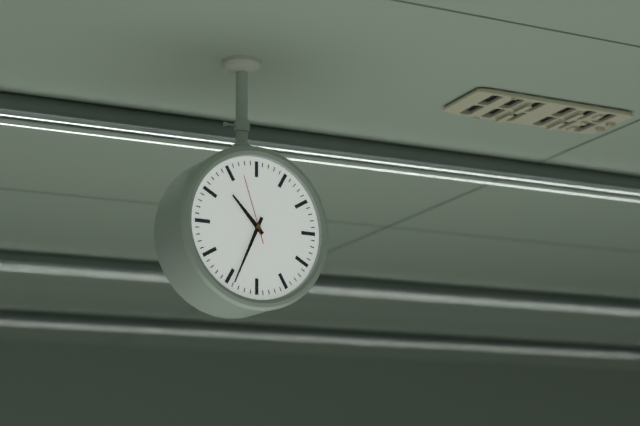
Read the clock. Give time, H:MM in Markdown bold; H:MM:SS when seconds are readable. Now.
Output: **10:34:57**
